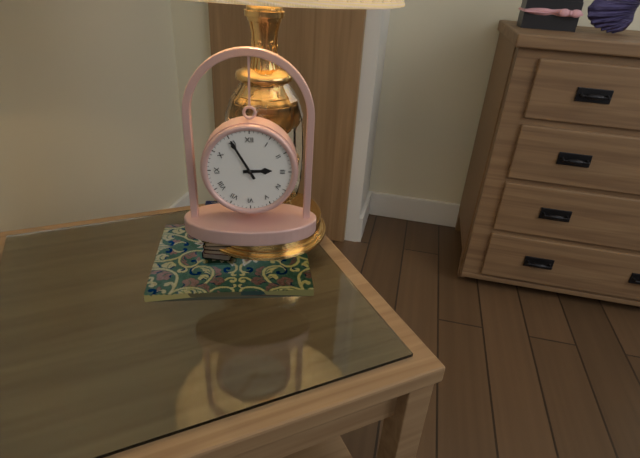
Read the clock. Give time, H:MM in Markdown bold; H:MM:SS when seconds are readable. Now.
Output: **2:55**
